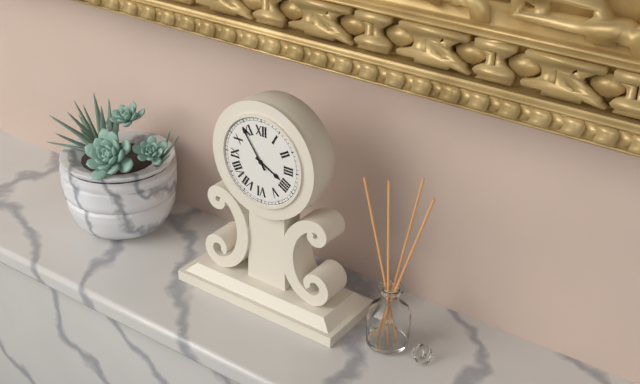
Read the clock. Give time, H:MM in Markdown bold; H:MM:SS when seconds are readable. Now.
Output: **3:54**
